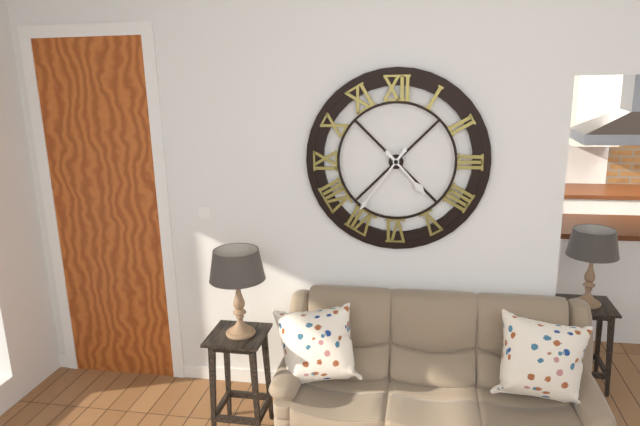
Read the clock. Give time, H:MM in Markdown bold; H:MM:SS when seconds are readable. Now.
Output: **4:36**
